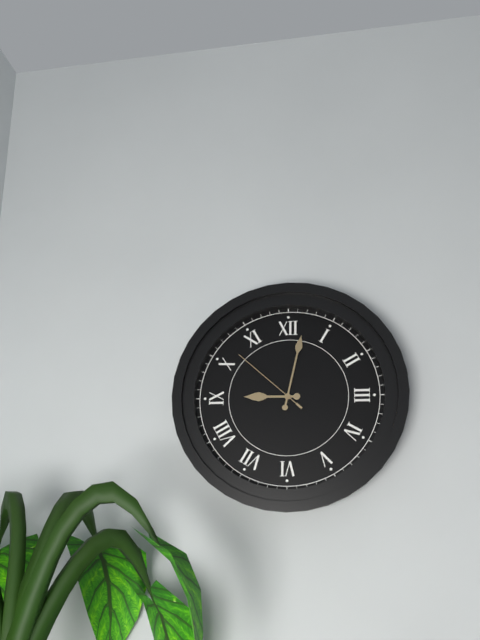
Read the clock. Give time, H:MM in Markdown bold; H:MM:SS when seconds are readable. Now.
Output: **9:02:52**
